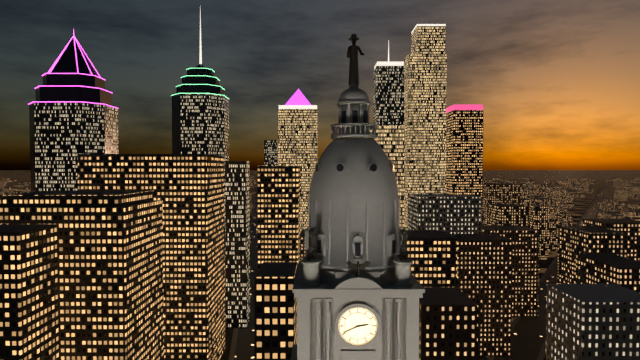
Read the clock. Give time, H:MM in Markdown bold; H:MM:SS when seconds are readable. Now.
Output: **2:41**
